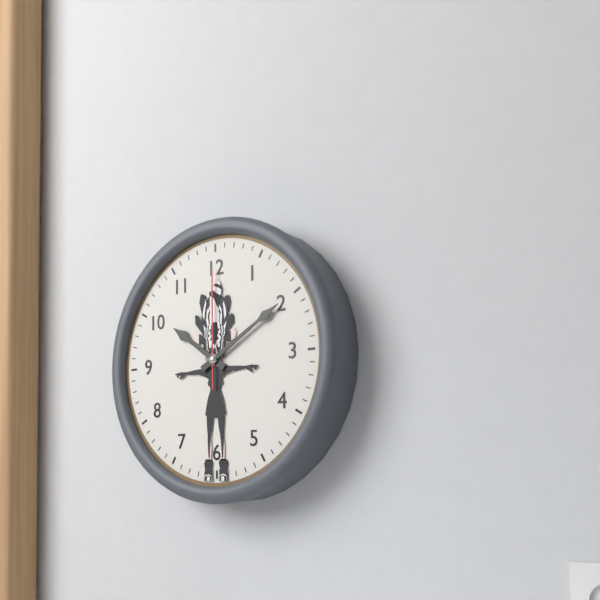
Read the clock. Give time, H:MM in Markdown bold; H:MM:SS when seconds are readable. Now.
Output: **10:10:00**
